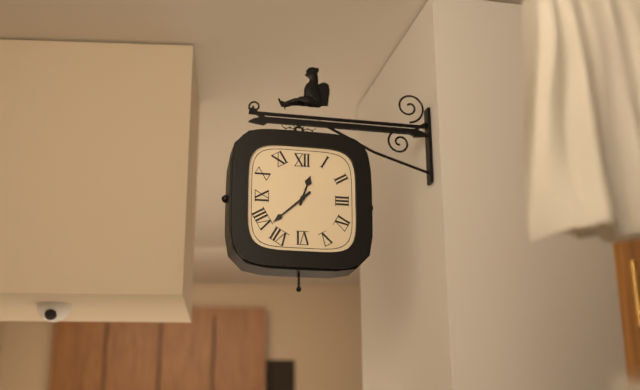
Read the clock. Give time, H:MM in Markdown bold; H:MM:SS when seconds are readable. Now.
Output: **12:38**
